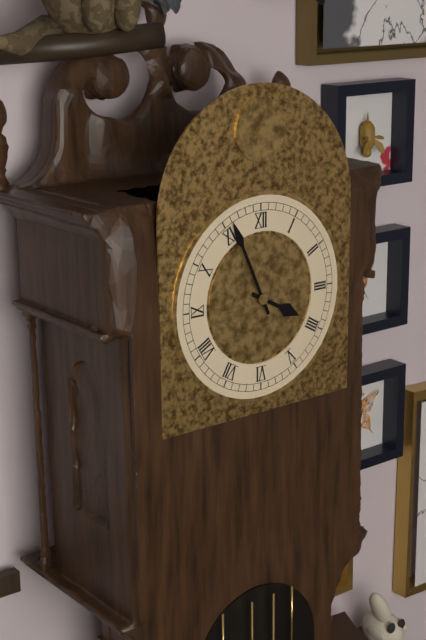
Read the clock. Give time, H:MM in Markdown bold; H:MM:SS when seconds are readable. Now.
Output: **3:56**
